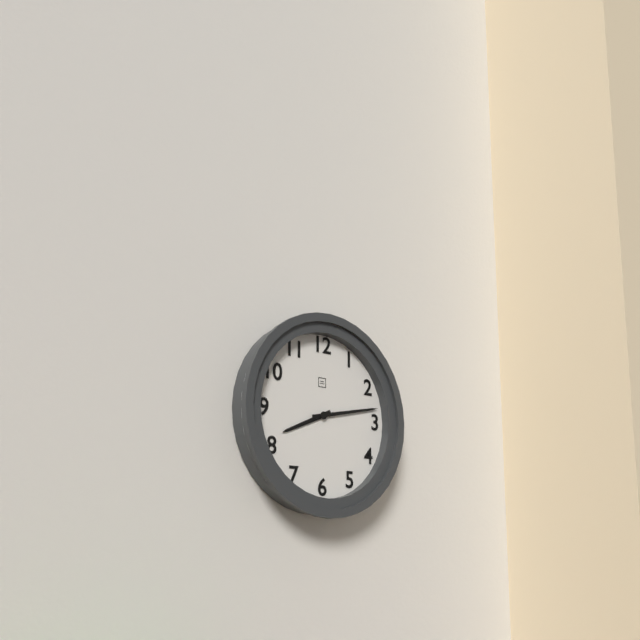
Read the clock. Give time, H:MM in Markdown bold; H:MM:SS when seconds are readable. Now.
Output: **8:13**
